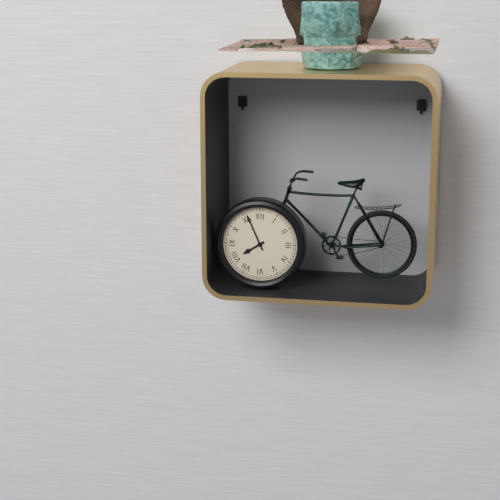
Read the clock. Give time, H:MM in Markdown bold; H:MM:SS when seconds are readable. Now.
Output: **7:56**
